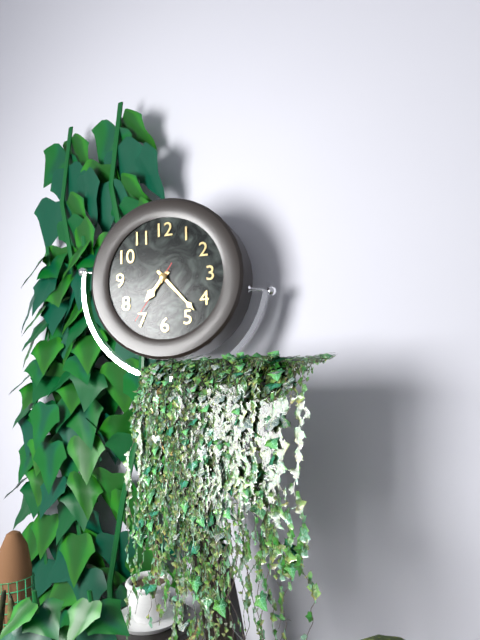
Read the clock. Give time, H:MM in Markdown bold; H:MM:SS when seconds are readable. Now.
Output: **7:23:36**
